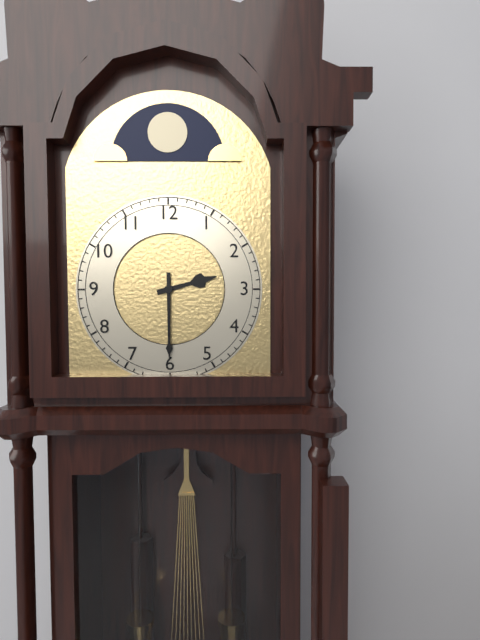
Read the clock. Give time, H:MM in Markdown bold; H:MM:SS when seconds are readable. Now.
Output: **2:30**
